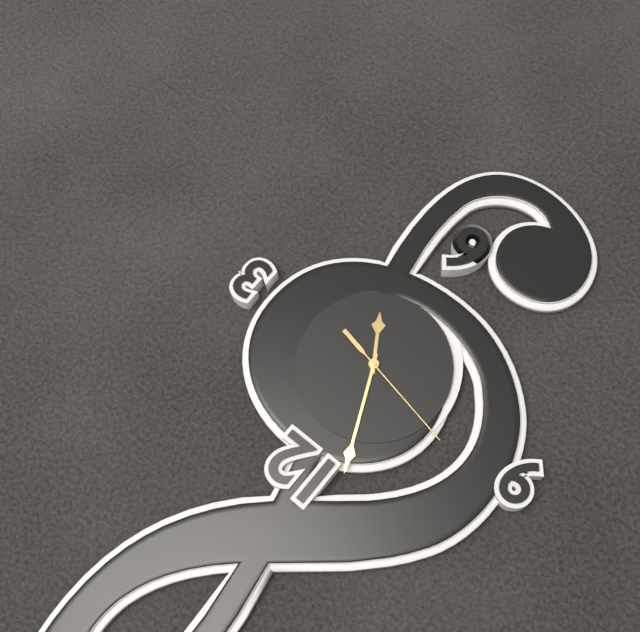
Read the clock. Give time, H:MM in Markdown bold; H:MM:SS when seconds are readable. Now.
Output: **4:56:47**
